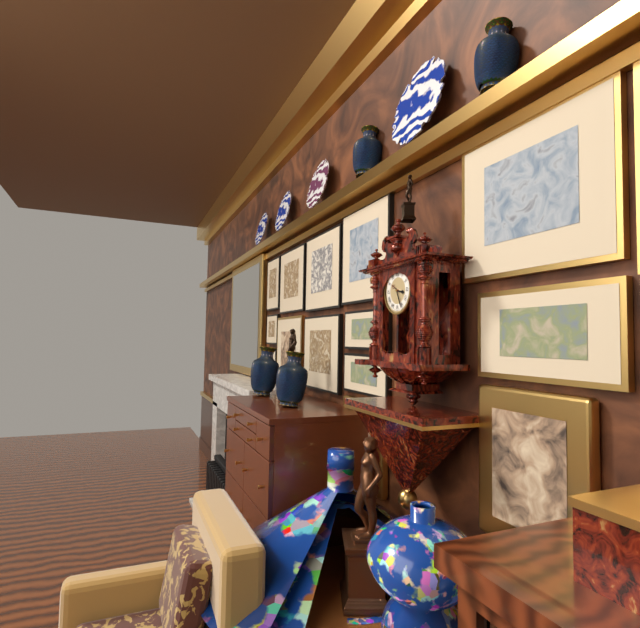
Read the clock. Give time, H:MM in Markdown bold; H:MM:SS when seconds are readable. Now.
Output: **3:26**
